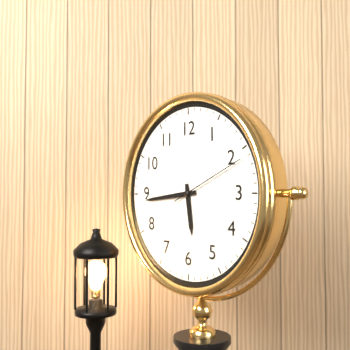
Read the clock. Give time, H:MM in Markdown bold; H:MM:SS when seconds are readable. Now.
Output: **5:44:11**
